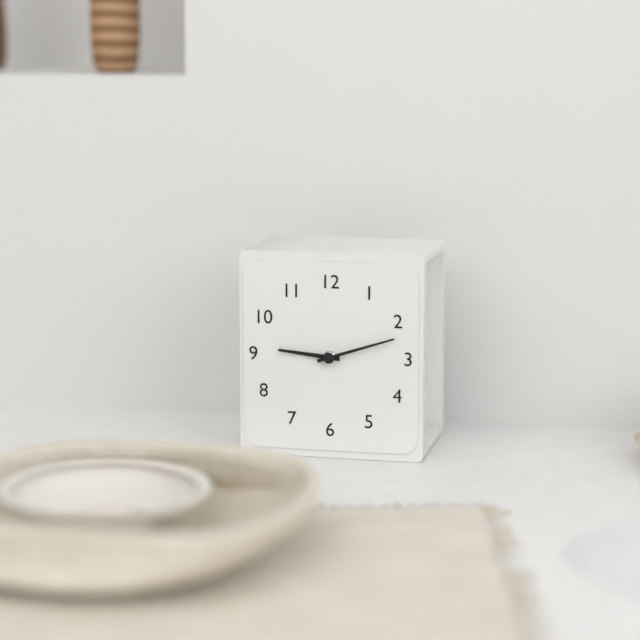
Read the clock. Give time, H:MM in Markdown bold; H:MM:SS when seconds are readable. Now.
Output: **9:12**
